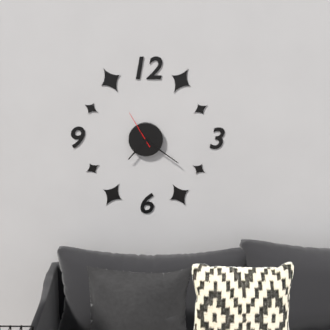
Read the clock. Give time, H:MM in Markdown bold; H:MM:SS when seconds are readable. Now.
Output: **7:21**
